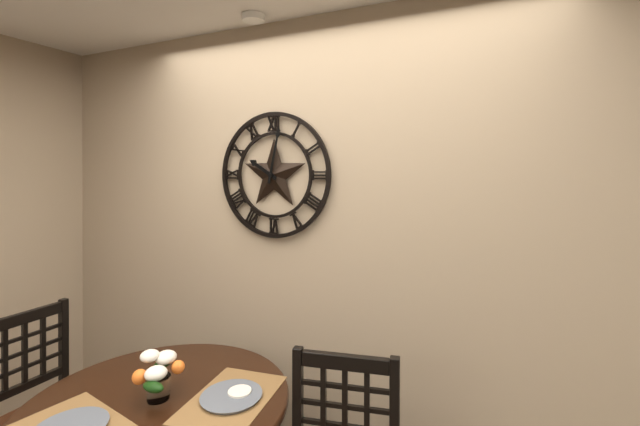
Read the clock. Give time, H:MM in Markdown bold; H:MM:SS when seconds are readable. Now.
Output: **10:02**
